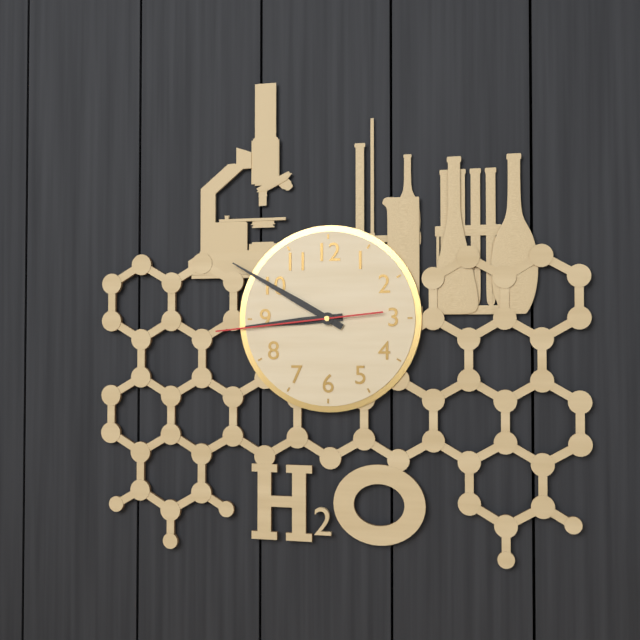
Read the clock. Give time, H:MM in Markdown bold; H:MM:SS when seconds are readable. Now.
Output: **8:50:44**
